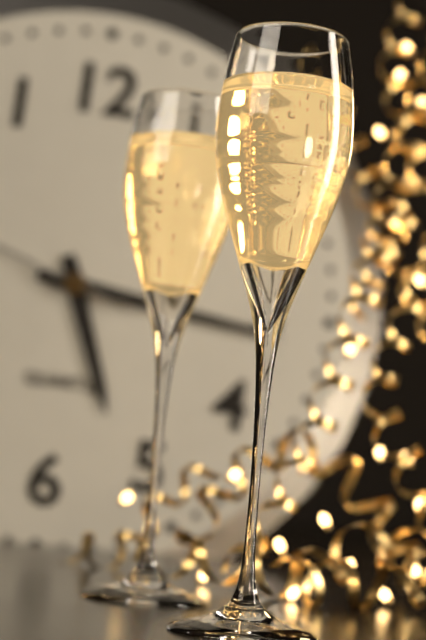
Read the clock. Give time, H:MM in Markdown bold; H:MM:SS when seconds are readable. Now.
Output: **5:16**
